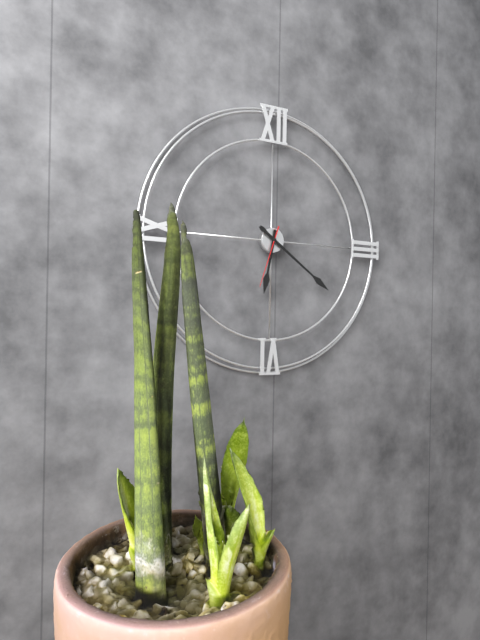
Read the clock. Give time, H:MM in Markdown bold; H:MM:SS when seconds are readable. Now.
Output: **6:21:33**
